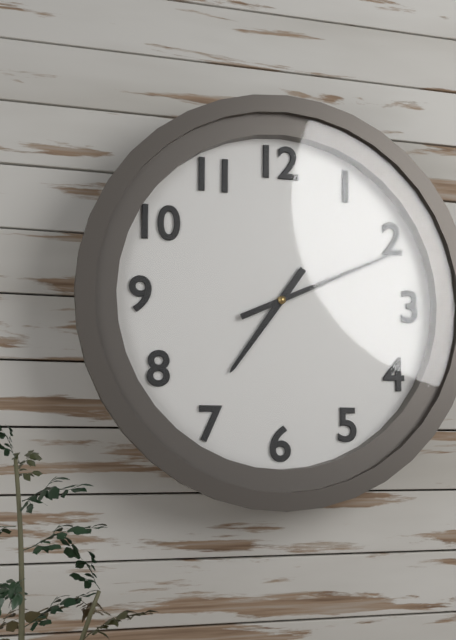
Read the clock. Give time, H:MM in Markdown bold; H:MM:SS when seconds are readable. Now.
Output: **7:11**
